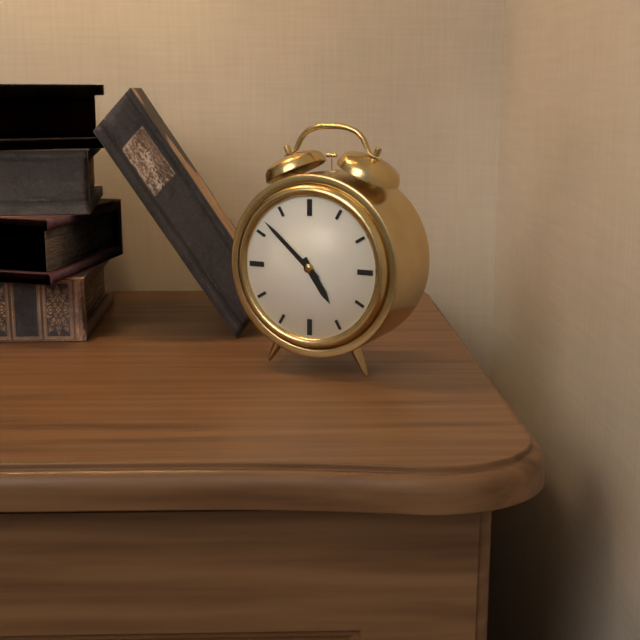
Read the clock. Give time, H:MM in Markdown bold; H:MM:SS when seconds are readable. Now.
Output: **4:52**
